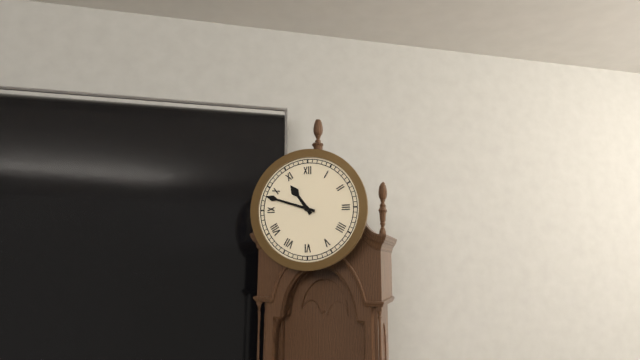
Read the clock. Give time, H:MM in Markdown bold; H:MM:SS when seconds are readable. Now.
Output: **10:48**
